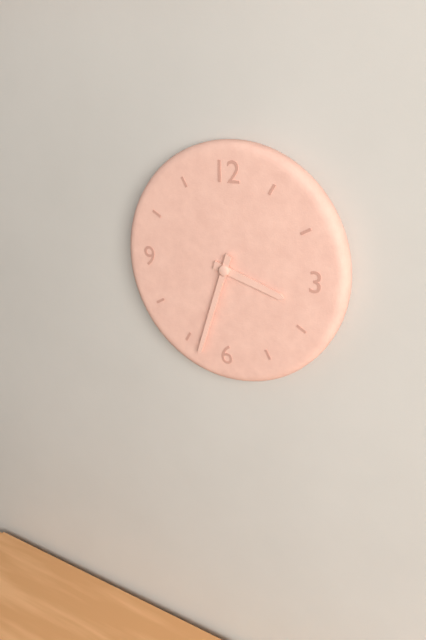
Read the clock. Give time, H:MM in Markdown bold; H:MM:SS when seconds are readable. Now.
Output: **3:33**
